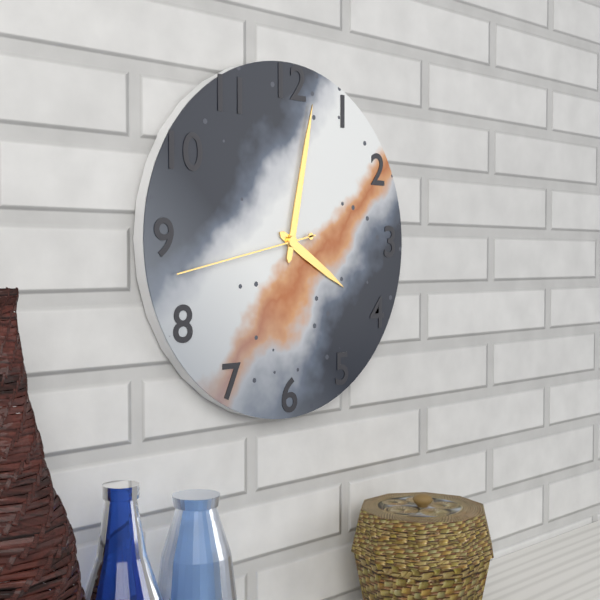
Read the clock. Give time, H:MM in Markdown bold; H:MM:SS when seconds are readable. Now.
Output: **4:02:43**
